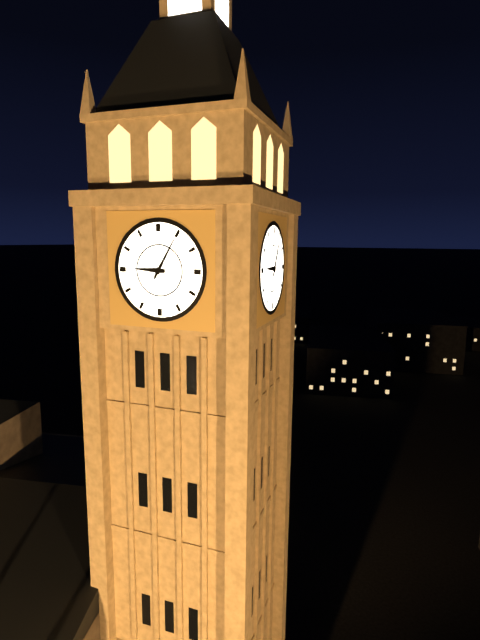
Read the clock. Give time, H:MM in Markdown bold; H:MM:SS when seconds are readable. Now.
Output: **9:05**
